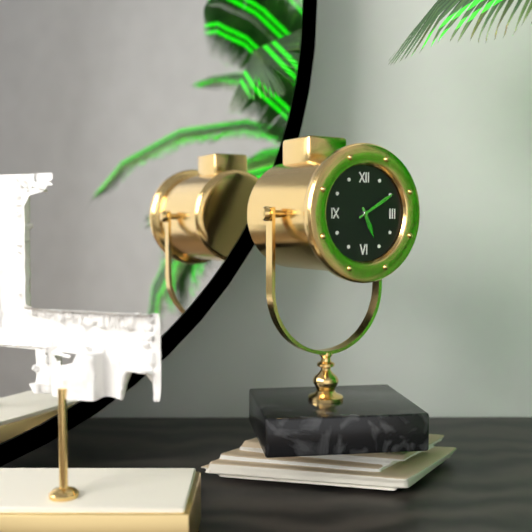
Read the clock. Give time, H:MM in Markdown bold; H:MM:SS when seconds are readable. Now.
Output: **5:10**
